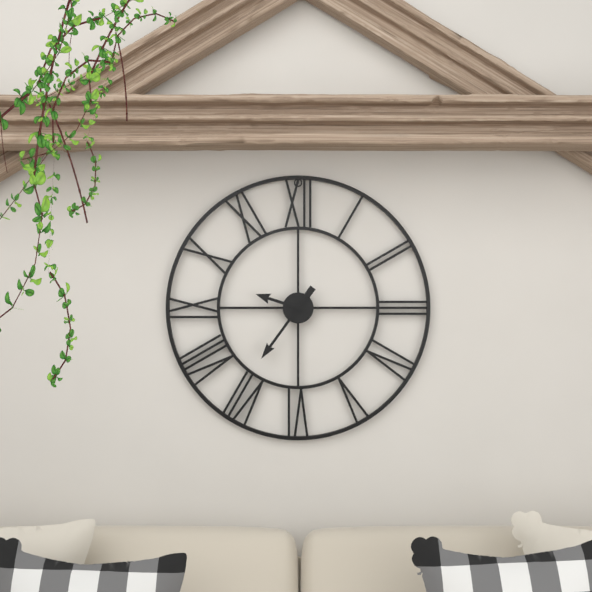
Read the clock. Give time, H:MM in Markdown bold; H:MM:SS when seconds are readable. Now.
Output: **9:36**
